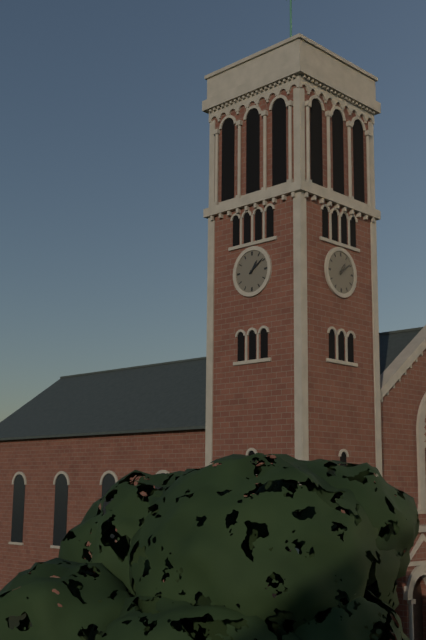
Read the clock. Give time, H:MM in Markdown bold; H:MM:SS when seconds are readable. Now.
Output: **1:09**
